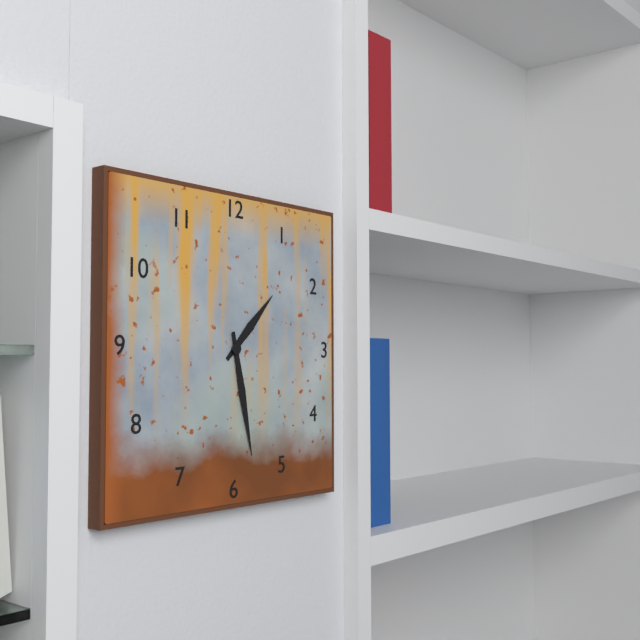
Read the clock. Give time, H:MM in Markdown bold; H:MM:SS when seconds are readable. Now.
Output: **1:28**
